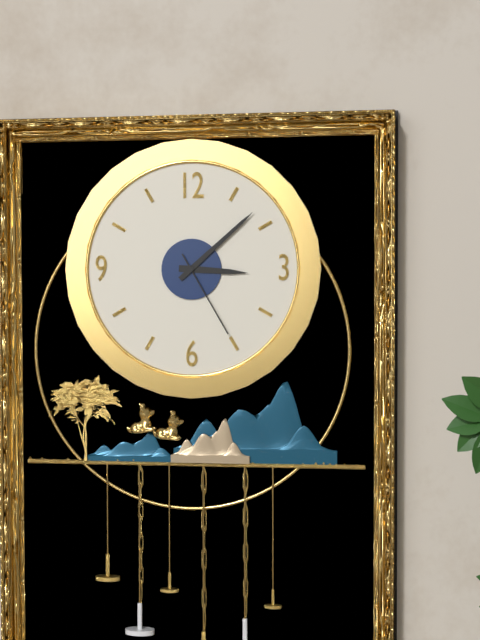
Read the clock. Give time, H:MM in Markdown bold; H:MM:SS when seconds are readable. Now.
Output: **3:08:25**
